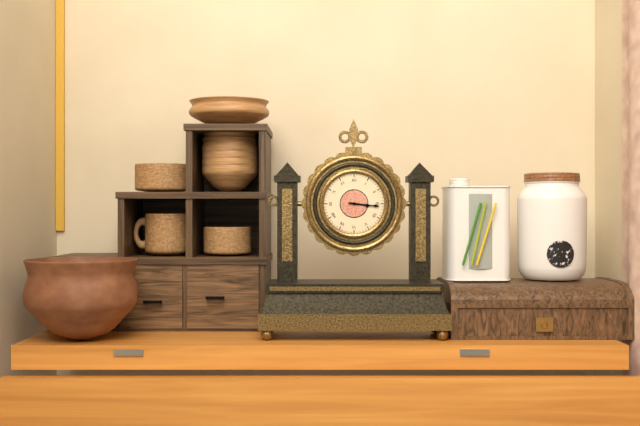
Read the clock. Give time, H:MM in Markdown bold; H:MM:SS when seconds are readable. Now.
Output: **3:16**
